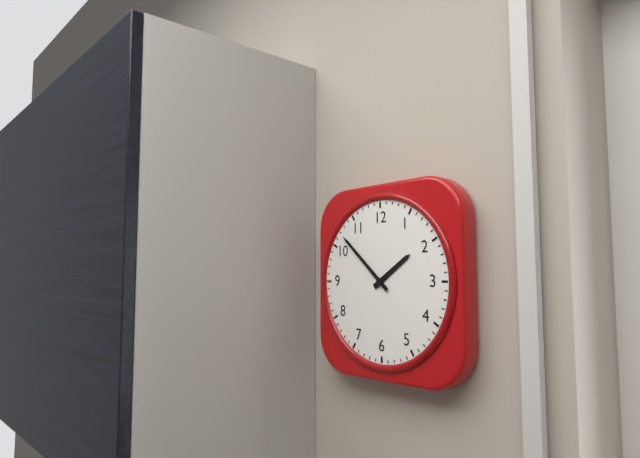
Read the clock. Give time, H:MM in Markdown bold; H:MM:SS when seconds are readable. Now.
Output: **1:52**
